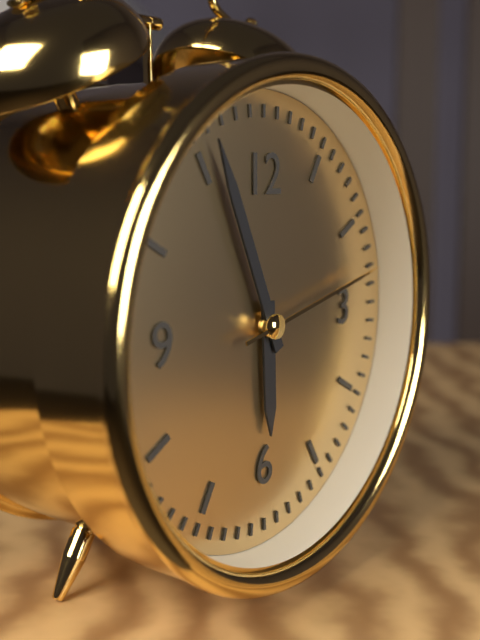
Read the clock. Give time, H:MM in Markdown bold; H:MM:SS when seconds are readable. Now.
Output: **5:56:13**
